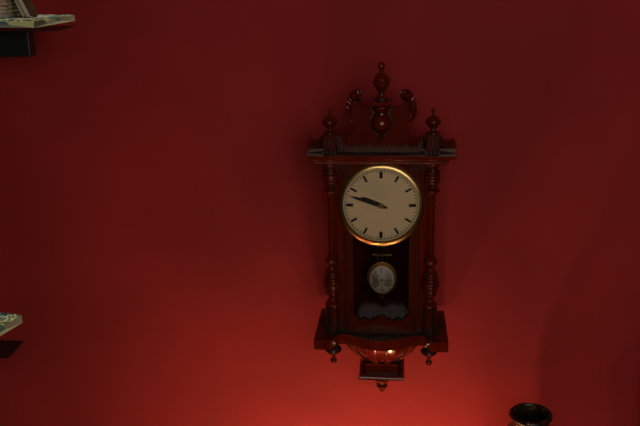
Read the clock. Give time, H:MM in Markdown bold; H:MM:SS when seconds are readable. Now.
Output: **9:48**
